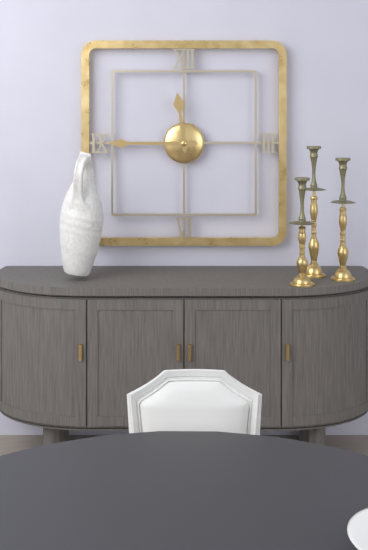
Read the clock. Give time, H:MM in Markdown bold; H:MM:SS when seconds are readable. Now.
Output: **11:45**
